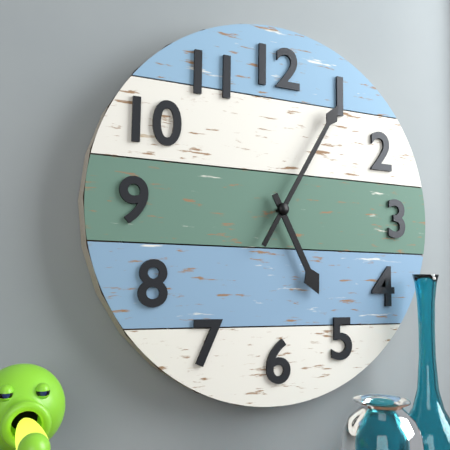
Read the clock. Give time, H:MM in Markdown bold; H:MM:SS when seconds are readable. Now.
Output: **5:05**
